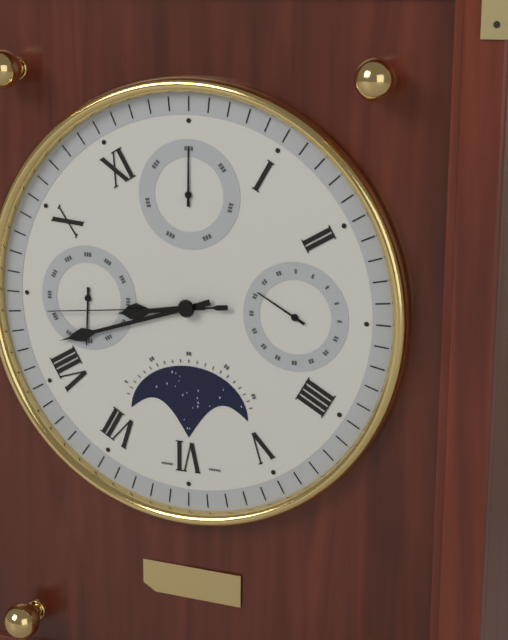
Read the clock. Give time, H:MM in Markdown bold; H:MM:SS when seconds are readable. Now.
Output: **8:42:44**
